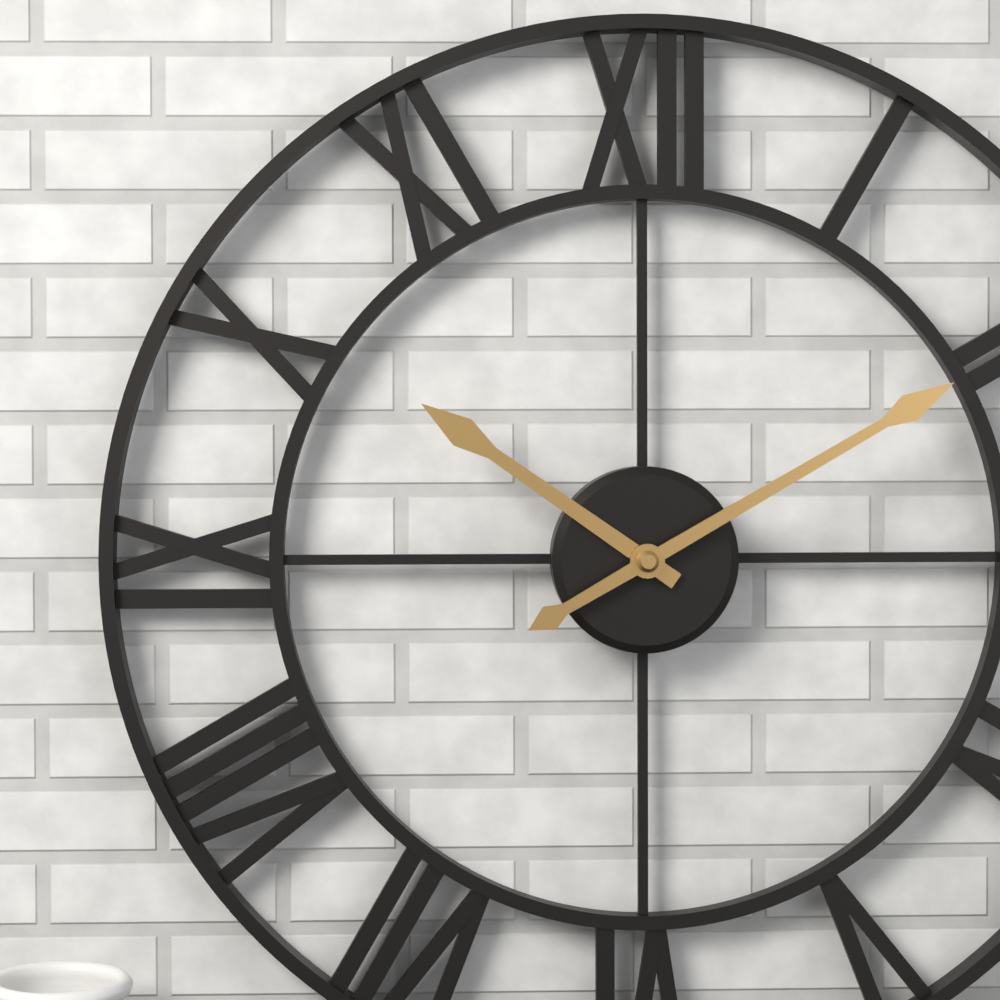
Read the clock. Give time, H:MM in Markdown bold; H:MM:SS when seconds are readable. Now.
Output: **10:10**
